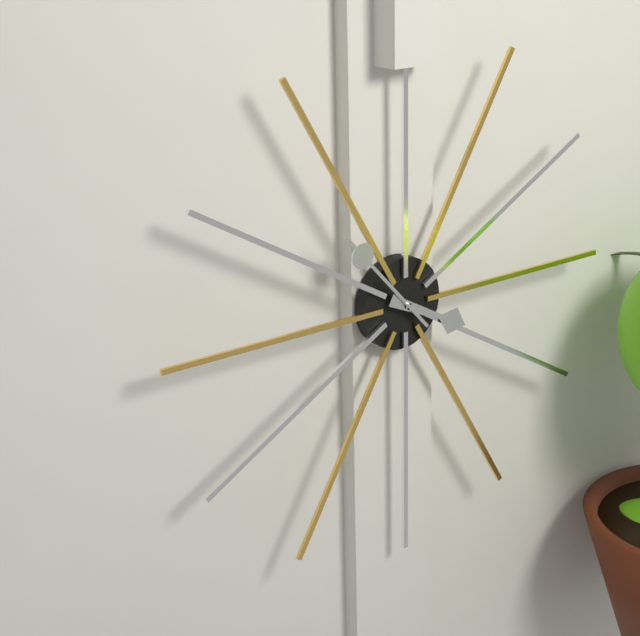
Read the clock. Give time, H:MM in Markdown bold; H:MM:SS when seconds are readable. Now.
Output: **3:53**
